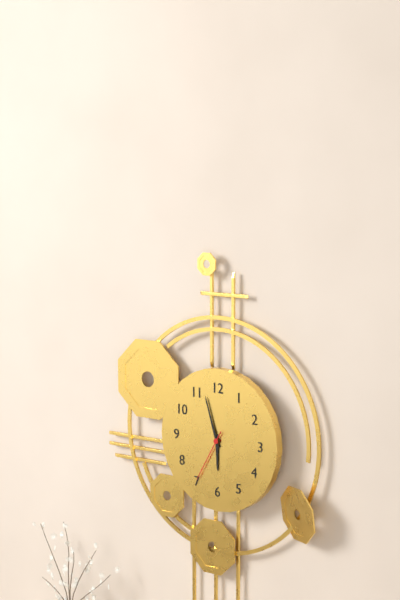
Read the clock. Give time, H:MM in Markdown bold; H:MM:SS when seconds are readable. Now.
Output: **5:57:35**
